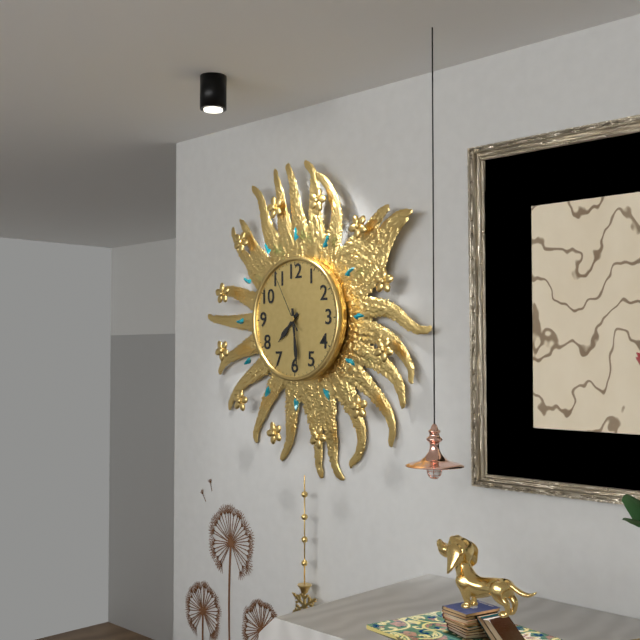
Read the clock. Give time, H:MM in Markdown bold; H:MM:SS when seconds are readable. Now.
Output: **7:29:55**
